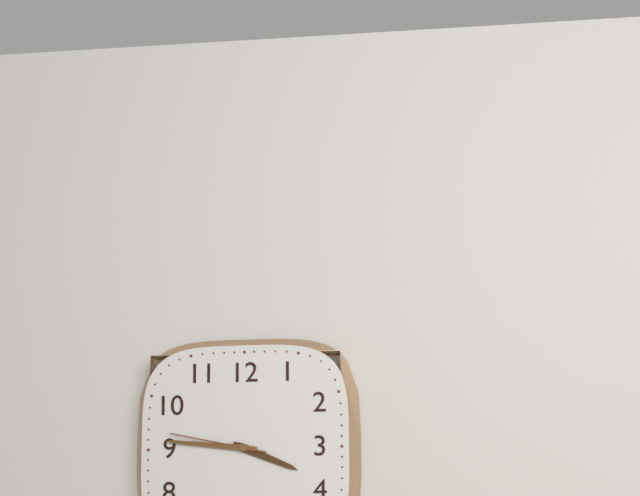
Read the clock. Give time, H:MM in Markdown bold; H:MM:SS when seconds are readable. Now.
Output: **3:46:47**
